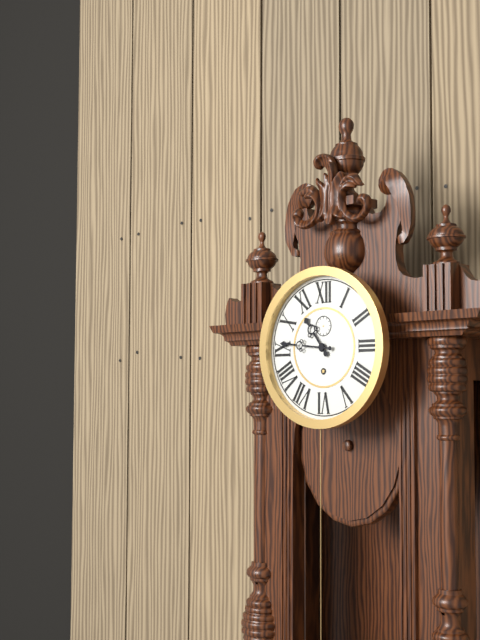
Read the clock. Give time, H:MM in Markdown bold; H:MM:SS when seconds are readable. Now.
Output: **10:46**
